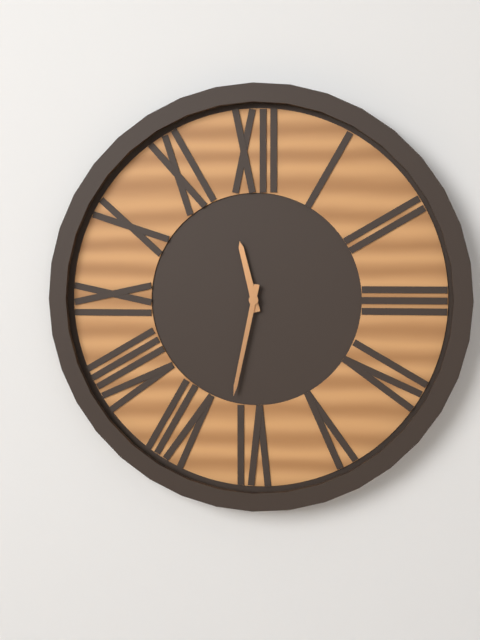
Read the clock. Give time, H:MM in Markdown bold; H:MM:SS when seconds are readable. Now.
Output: **11:32**
